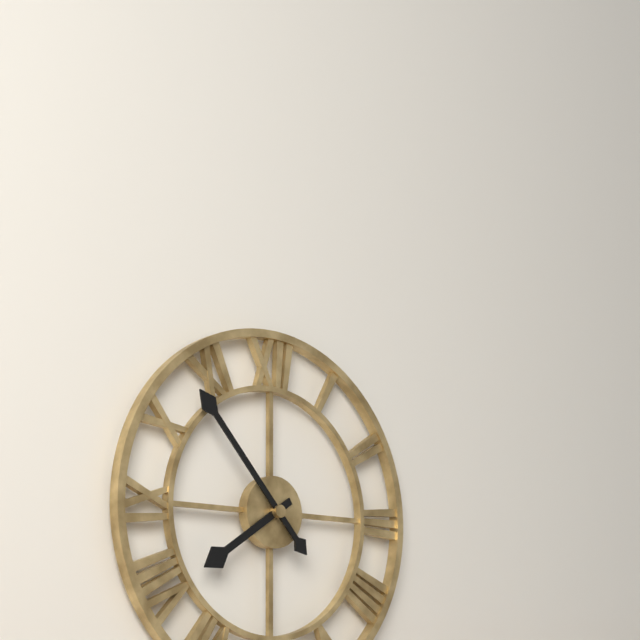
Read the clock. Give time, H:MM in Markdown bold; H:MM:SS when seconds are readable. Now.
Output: **7:53**
